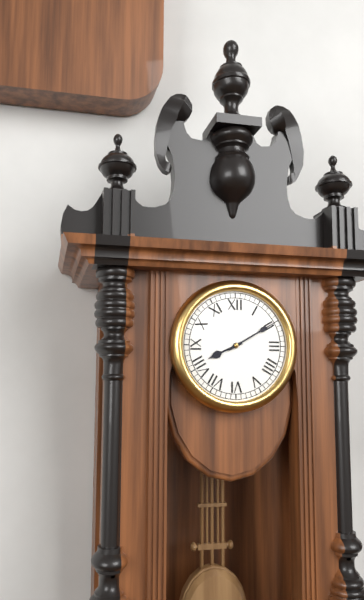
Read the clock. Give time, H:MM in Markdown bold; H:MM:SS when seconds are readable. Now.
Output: **8:10**
